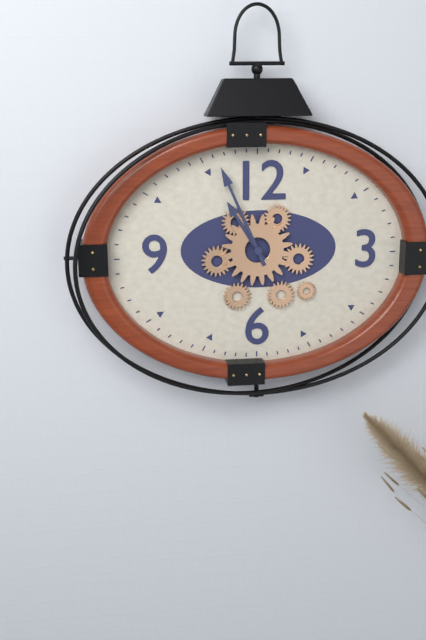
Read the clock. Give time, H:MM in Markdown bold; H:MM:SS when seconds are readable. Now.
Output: **10:56**
